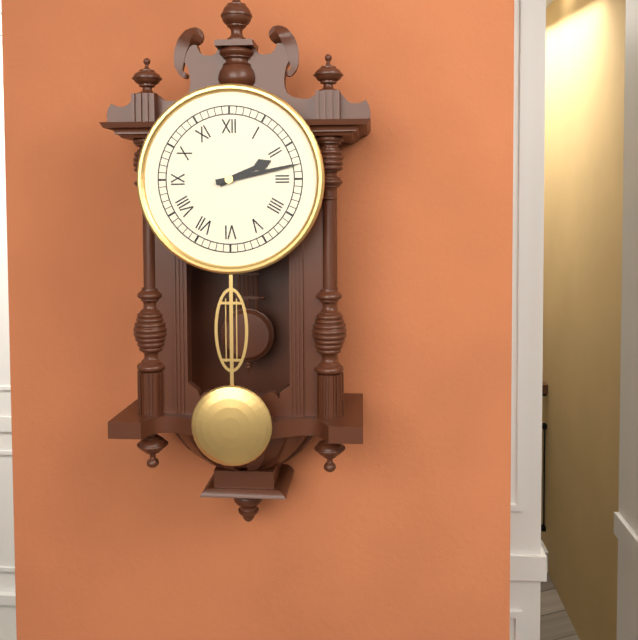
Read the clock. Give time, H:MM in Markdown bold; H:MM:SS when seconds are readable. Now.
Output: **2:13**
